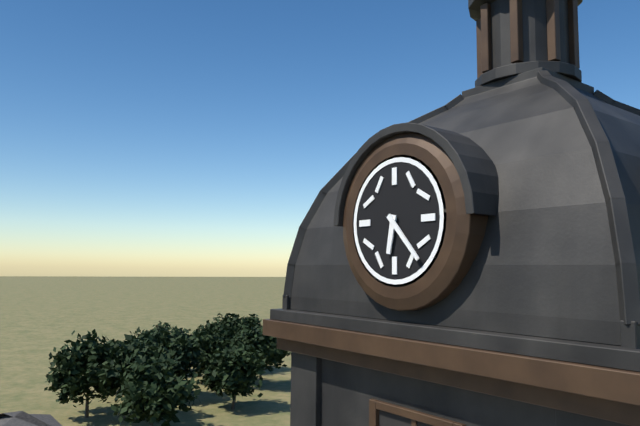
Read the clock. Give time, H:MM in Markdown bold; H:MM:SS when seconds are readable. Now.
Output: **6:23**
